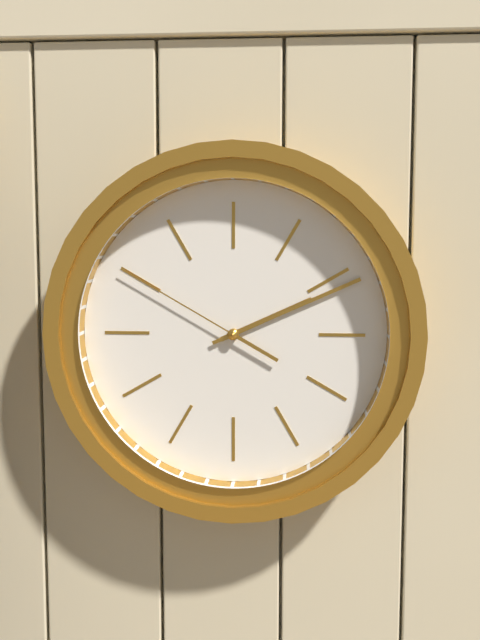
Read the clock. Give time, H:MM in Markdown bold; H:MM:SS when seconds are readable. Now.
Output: **2:11:50**
